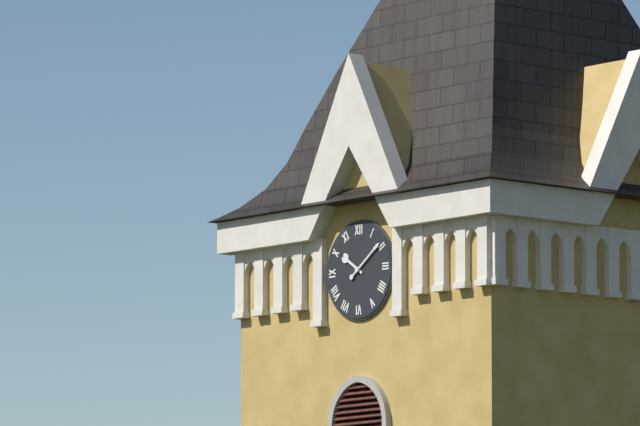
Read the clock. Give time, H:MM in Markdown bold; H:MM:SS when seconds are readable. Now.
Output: **10:09**
